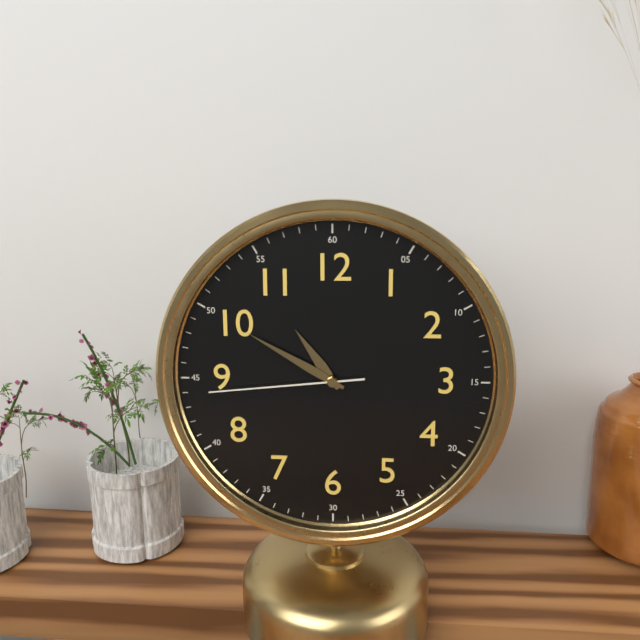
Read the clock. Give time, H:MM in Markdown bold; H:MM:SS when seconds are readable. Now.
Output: **10:50:44**
